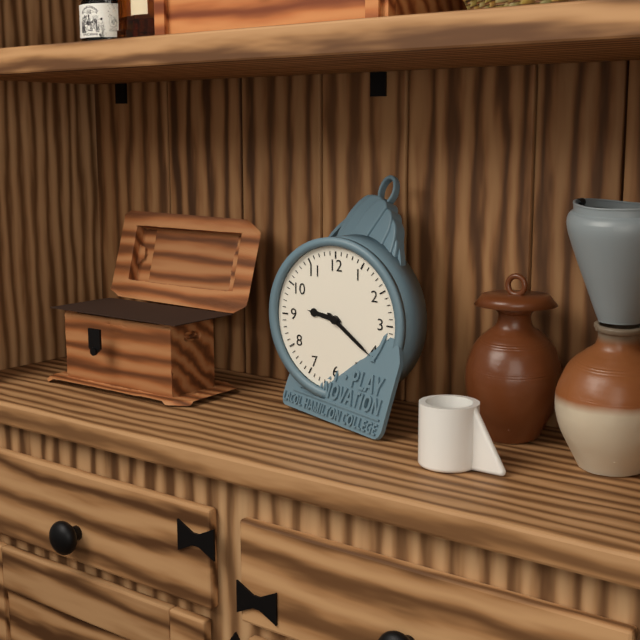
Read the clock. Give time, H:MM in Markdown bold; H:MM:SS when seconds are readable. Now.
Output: **9:21**
